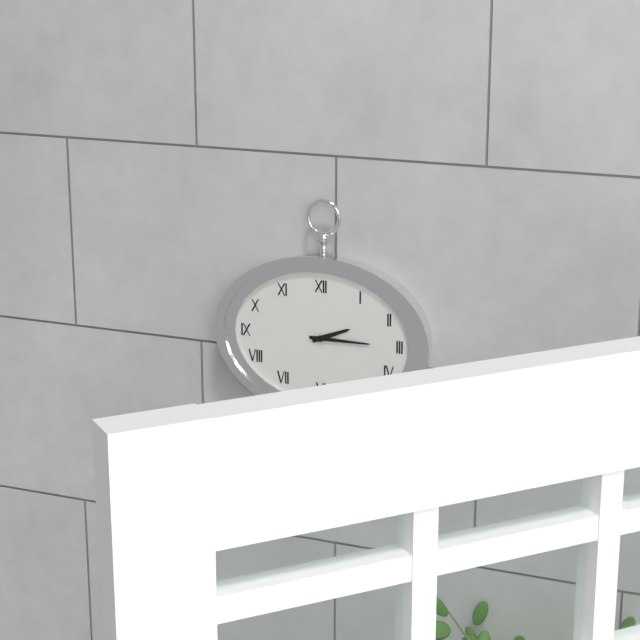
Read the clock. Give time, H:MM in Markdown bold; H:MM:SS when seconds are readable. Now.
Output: **2:15**
